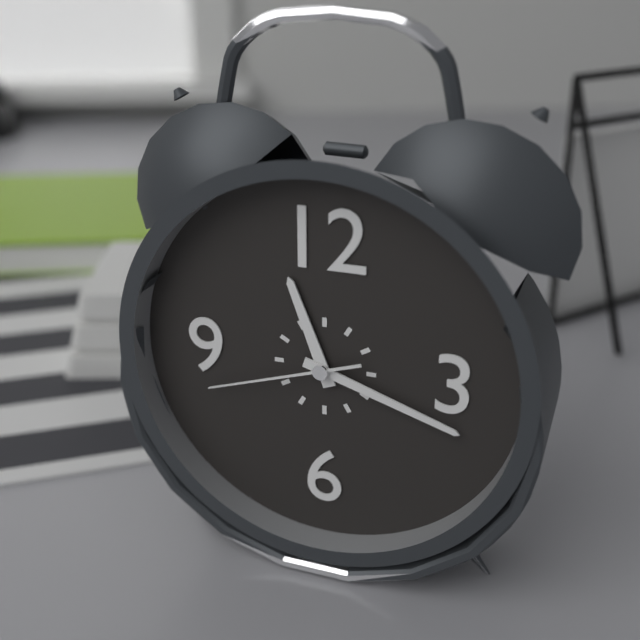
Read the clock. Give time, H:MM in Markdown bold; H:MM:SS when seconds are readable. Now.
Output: **11:18:42**
